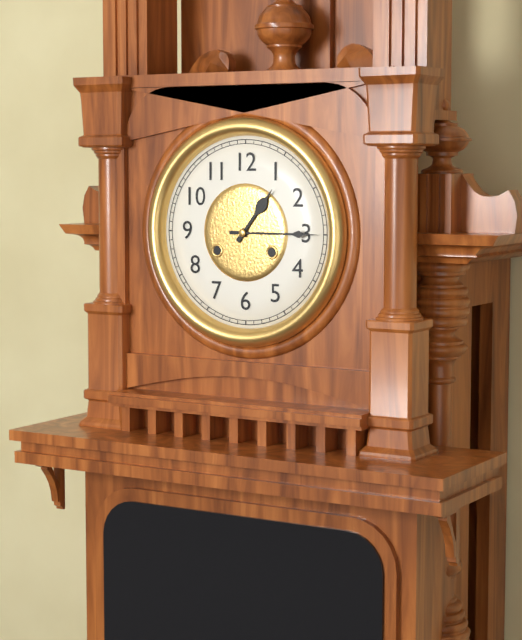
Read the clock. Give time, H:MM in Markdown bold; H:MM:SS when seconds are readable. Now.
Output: **1:15**
